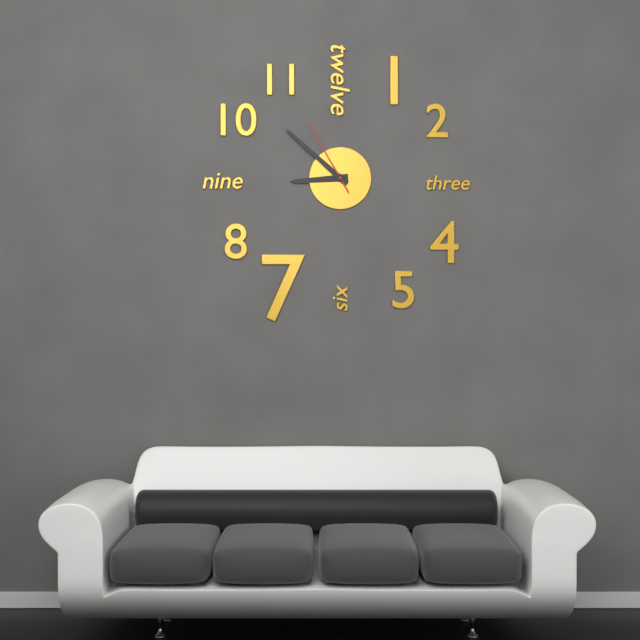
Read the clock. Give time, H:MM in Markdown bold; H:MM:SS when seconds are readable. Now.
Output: **8:52:55**
